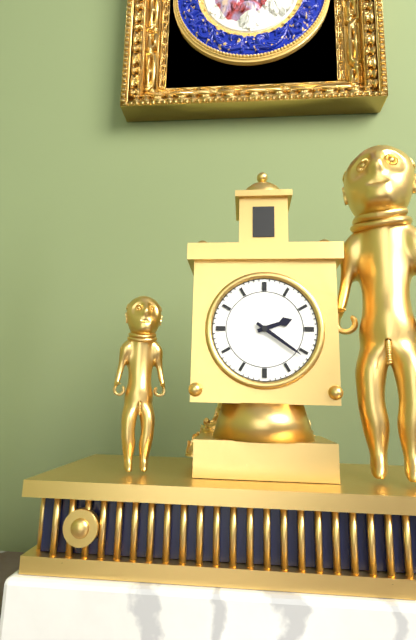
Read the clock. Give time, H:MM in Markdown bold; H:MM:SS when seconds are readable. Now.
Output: **2:21**
